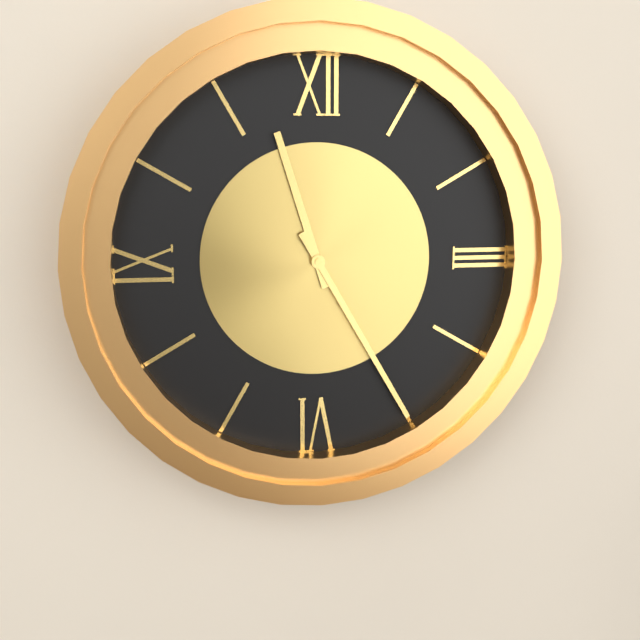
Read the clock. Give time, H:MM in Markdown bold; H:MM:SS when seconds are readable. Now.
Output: **11:25**
